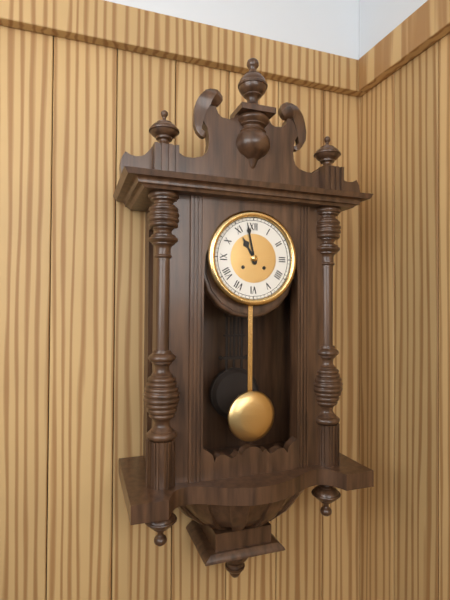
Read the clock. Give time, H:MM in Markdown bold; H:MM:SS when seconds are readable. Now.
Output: **10:58**
